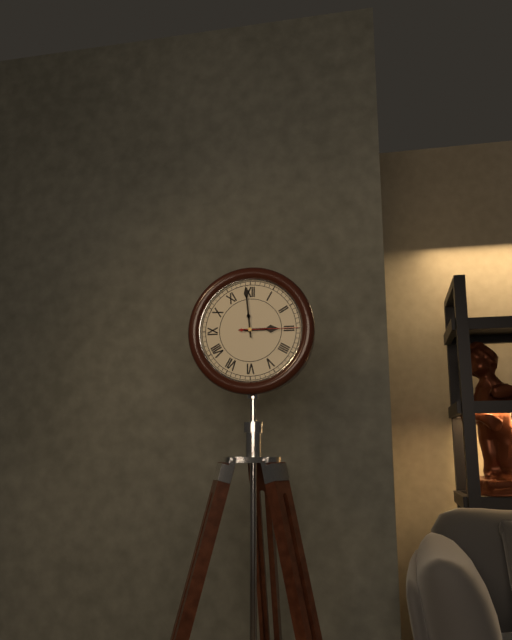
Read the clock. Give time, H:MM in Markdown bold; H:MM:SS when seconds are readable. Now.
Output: **2:59:15**
